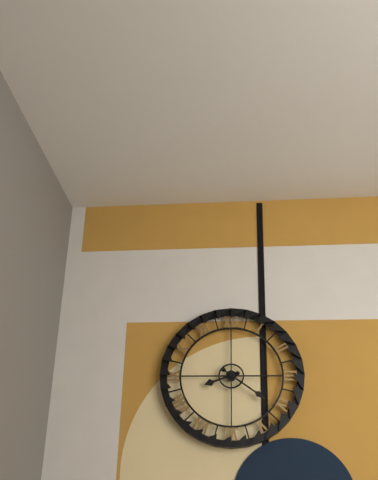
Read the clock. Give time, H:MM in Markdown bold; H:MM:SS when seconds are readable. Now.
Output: **8:21**
